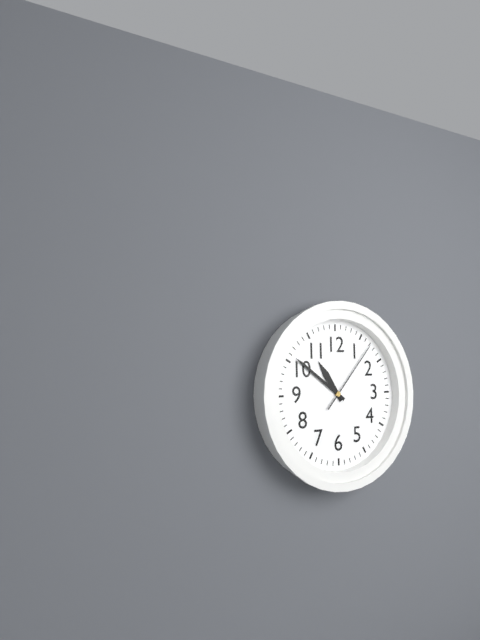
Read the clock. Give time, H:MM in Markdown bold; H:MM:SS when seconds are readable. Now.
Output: **10:51:07**
